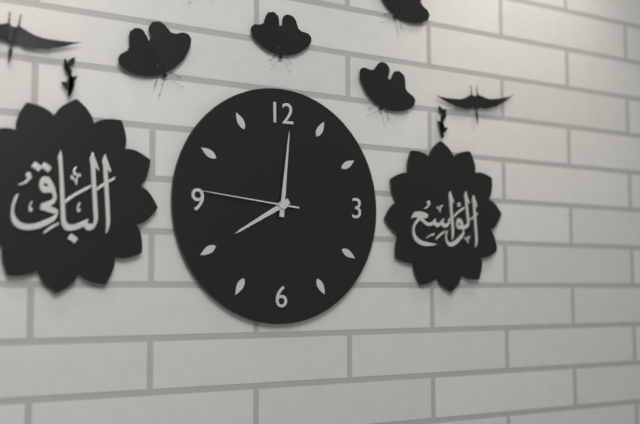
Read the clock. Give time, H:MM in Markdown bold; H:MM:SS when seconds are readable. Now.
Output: **8:01:46**
